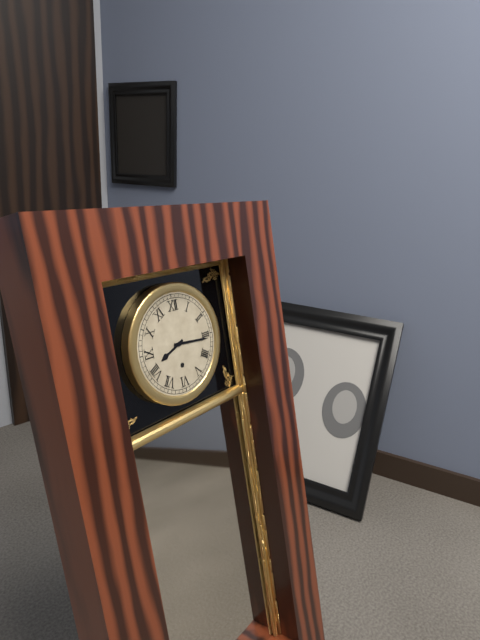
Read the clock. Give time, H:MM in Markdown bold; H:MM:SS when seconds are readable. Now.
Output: **8:16**
